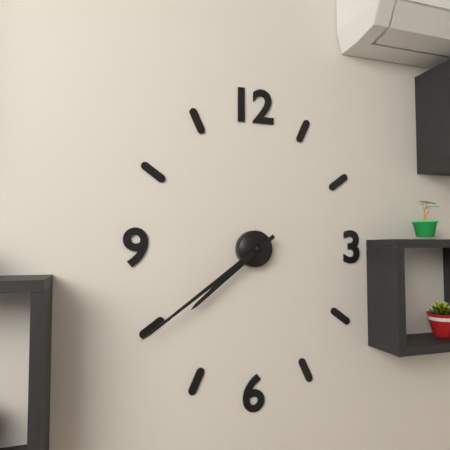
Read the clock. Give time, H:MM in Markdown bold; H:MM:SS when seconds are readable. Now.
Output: **7:39**
